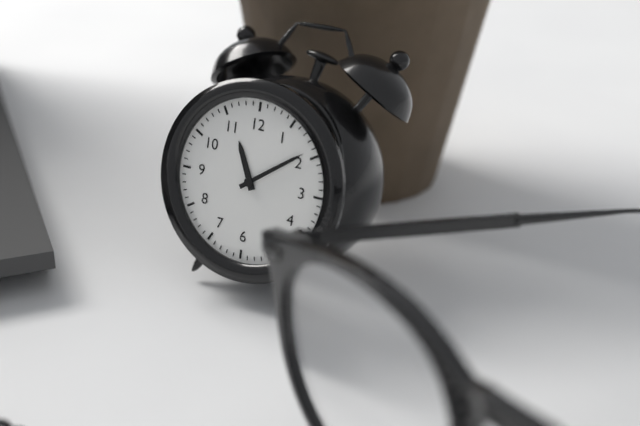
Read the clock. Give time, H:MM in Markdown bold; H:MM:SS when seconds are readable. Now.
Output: **11:09**
